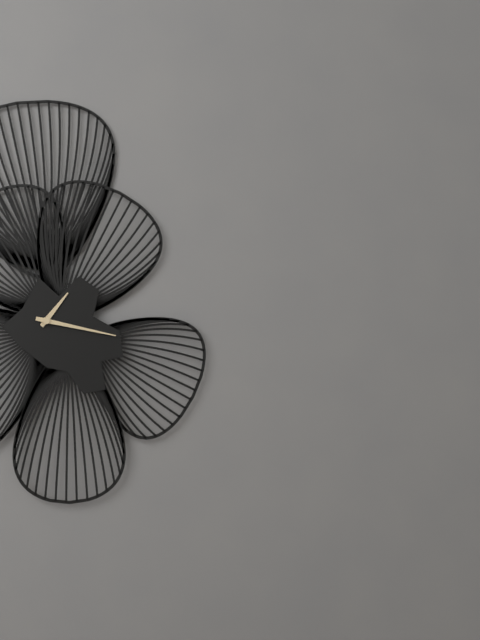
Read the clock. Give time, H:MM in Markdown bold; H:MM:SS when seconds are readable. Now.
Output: **1:17**
